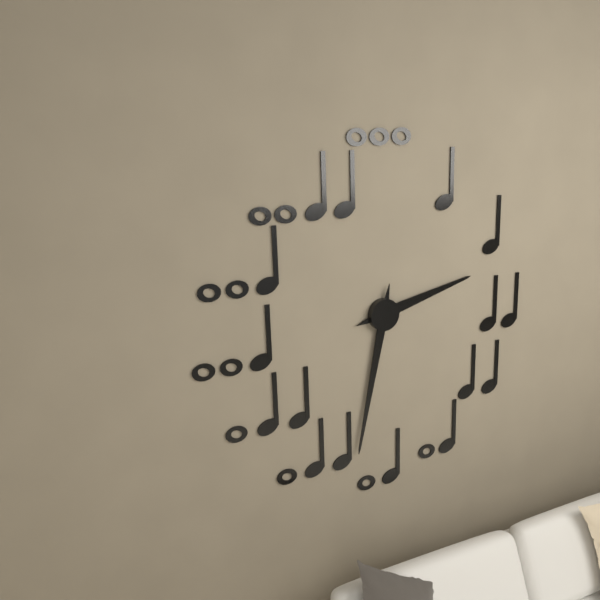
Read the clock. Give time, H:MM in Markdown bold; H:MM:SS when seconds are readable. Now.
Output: **2:32**
